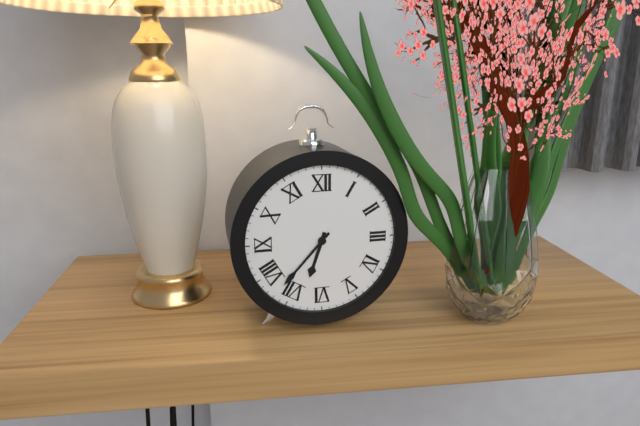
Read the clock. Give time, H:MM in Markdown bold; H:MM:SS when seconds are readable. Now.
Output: **6:37**
